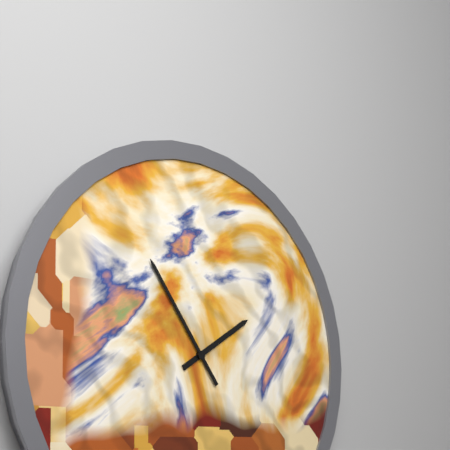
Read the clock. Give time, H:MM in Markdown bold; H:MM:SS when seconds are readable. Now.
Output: **1:54**
